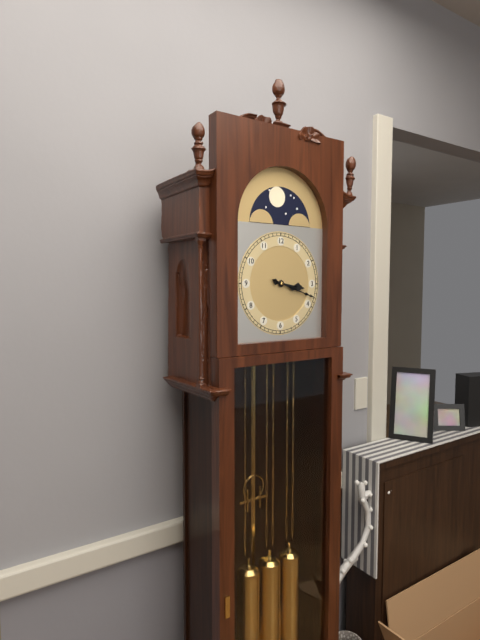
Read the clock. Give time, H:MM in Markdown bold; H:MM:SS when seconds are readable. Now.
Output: **3:18**
